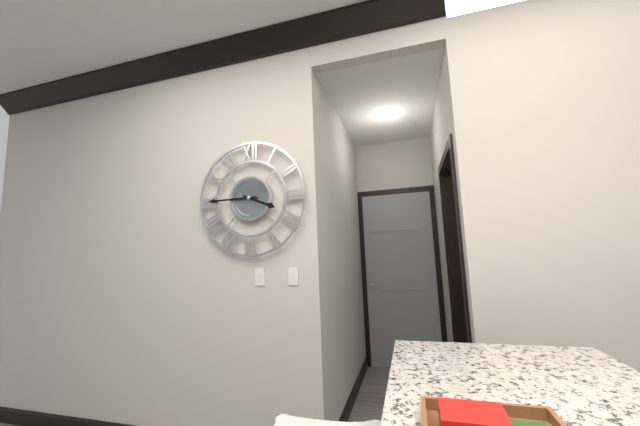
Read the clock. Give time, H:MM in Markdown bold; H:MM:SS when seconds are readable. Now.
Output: **3:45**
